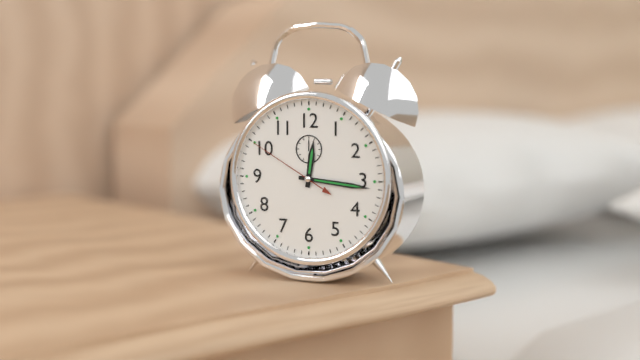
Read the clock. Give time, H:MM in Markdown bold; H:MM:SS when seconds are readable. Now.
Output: **12:16:50**
